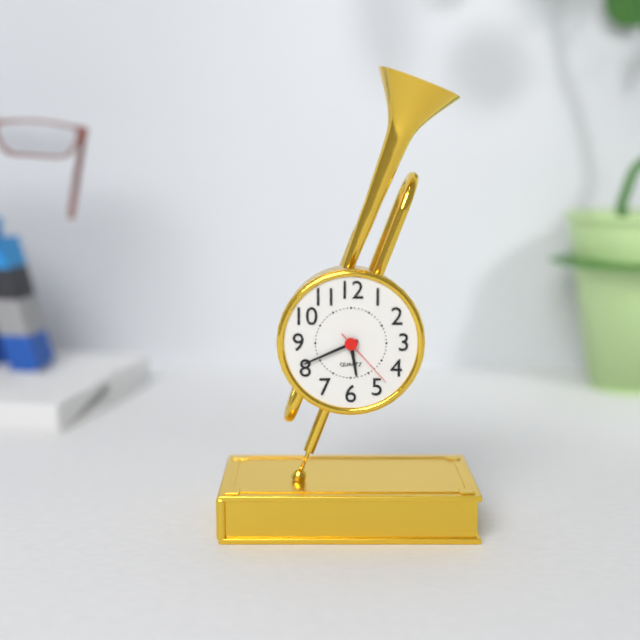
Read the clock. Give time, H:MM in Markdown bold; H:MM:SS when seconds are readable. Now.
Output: **5:41:23**
